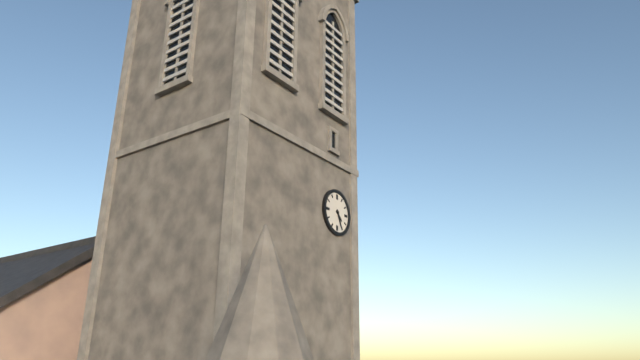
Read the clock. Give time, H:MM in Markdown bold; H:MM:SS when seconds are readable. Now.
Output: **4:26**
